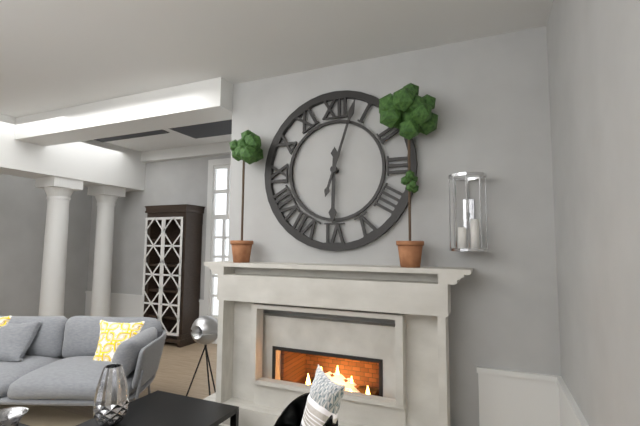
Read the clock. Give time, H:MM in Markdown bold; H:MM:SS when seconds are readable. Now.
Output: **6:03**
